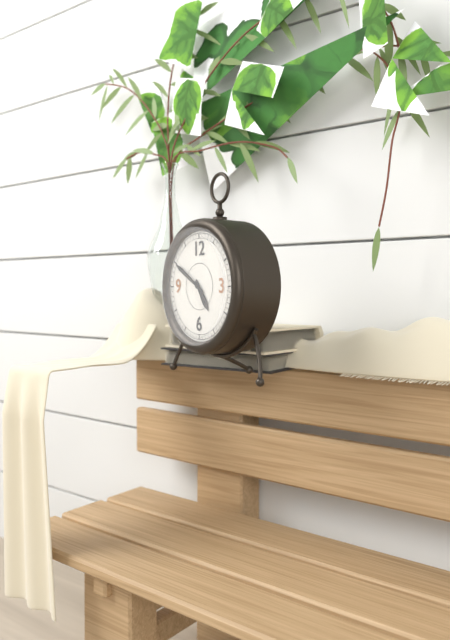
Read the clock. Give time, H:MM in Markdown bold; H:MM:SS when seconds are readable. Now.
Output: **4:50**
